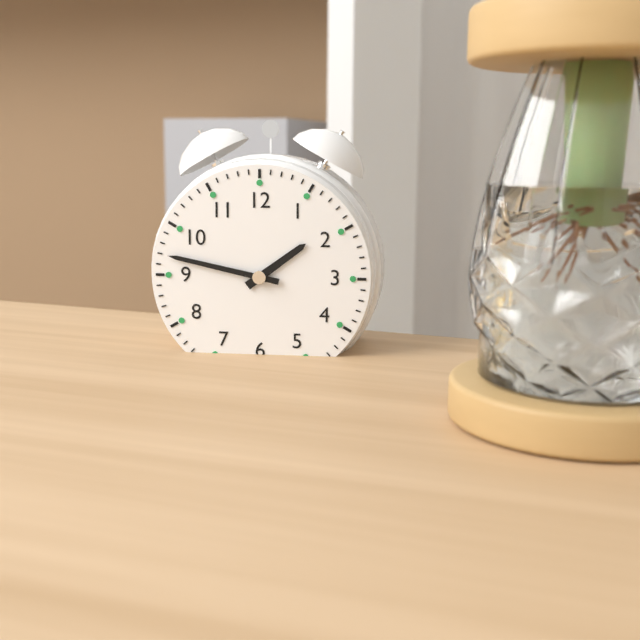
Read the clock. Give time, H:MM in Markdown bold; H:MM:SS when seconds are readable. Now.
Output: **1:47**
